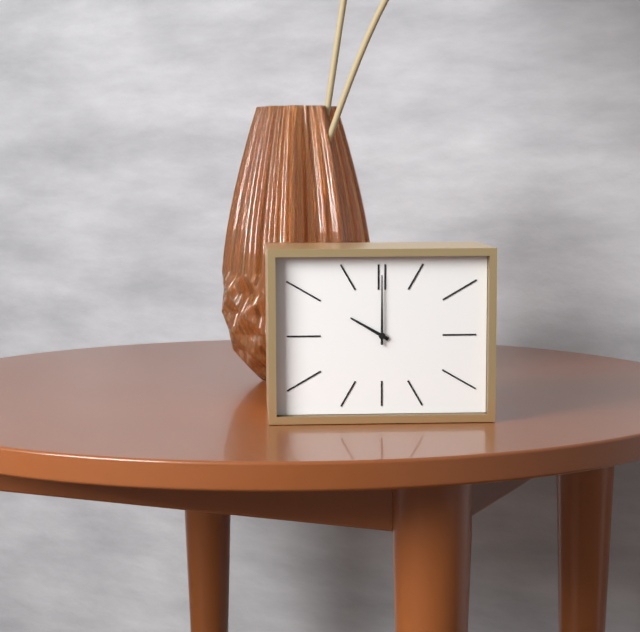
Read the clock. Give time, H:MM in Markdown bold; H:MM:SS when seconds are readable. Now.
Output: **10:00**
